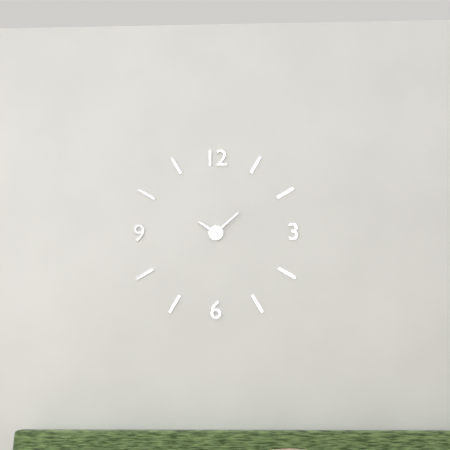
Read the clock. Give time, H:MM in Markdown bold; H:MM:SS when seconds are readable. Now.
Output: **10:08**
